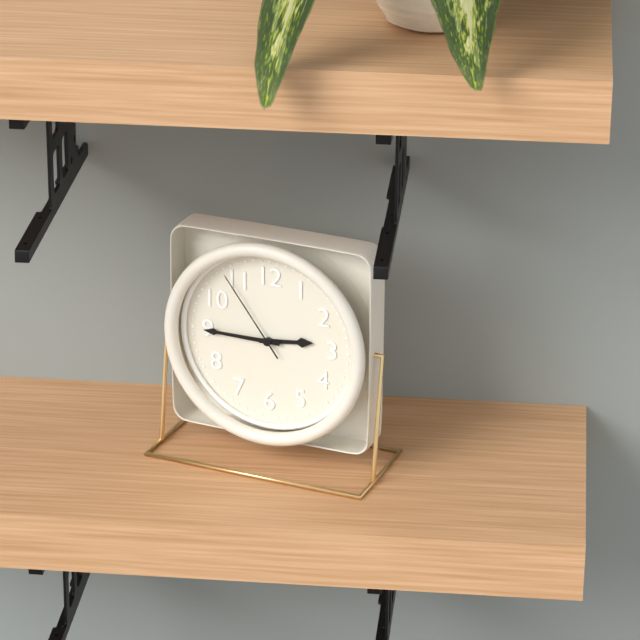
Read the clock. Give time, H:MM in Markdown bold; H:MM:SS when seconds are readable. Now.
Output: **2:45:54**
